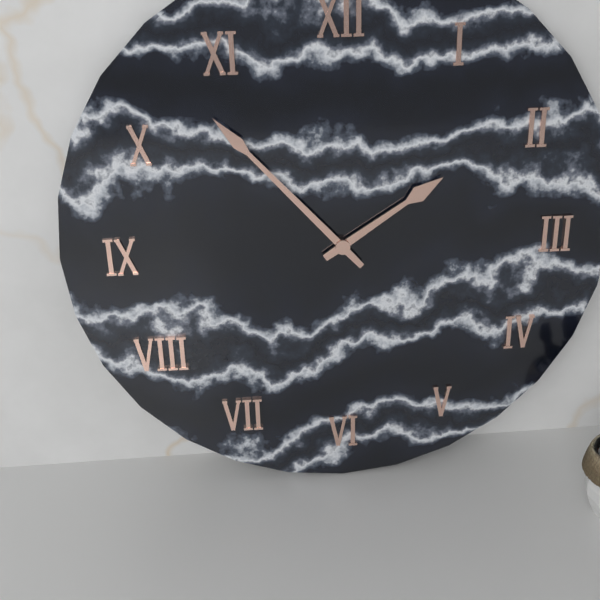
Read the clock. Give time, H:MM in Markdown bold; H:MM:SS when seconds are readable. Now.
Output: **1:53**
